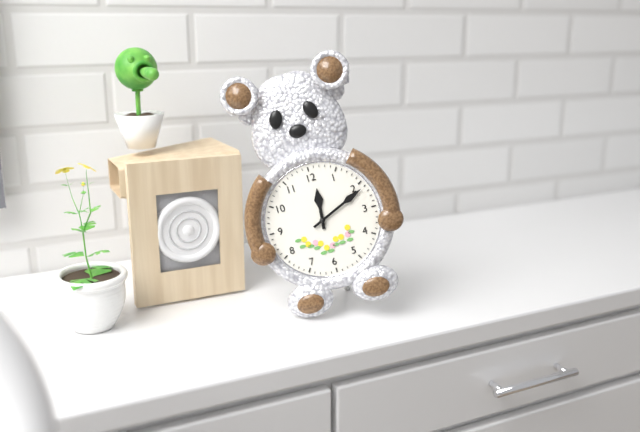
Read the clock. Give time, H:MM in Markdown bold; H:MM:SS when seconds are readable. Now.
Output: **12:11**
